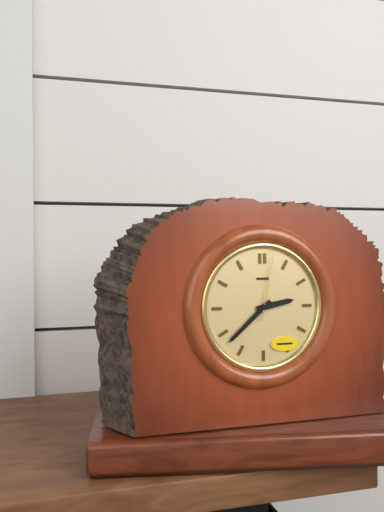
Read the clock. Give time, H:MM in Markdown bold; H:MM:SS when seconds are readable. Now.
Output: **2:38:02**
